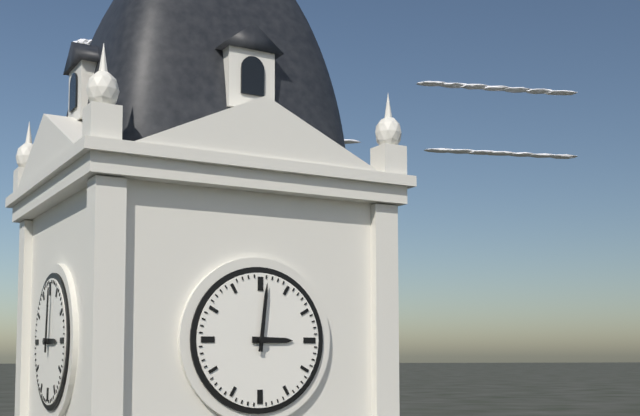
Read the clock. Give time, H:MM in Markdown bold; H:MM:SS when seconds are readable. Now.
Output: **3:01**
